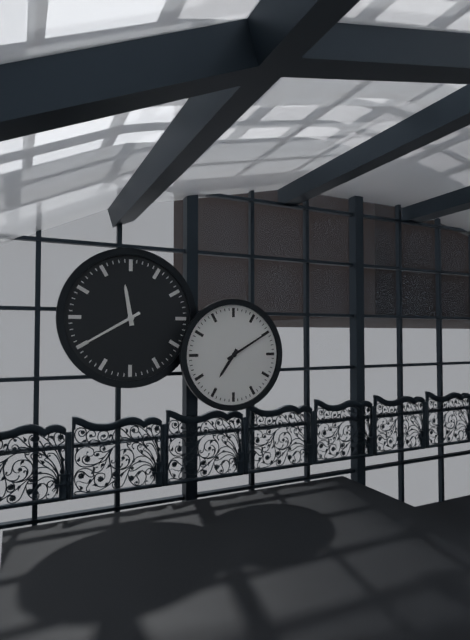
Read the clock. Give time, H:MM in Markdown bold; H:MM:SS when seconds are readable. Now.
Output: **7:10**
